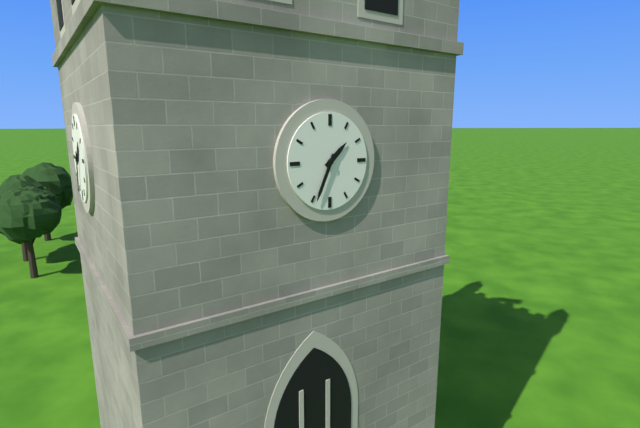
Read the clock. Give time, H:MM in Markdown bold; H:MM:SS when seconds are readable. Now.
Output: **1:34**
